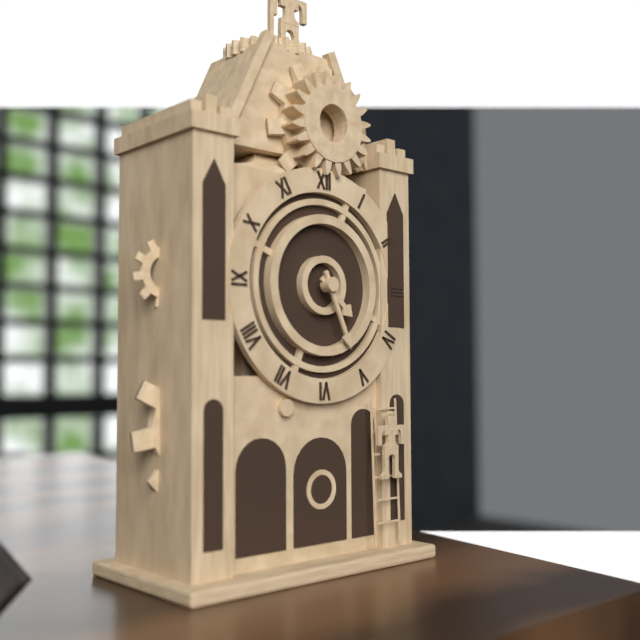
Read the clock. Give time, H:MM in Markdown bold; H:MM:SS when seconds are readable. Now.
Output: **4:26**
